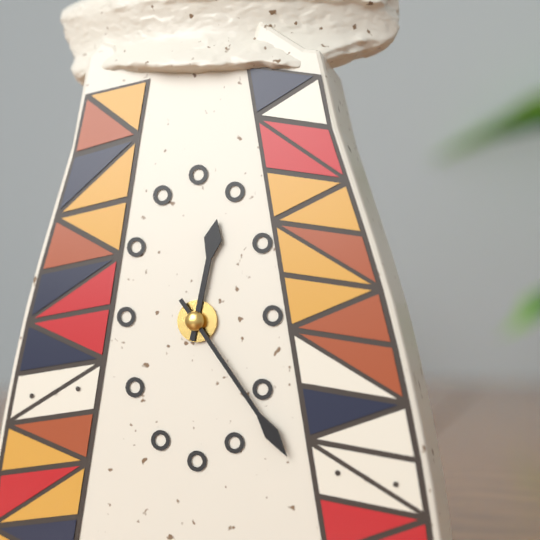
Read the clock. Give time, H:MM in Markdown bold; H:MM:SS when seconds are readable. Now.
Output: **12:24**
